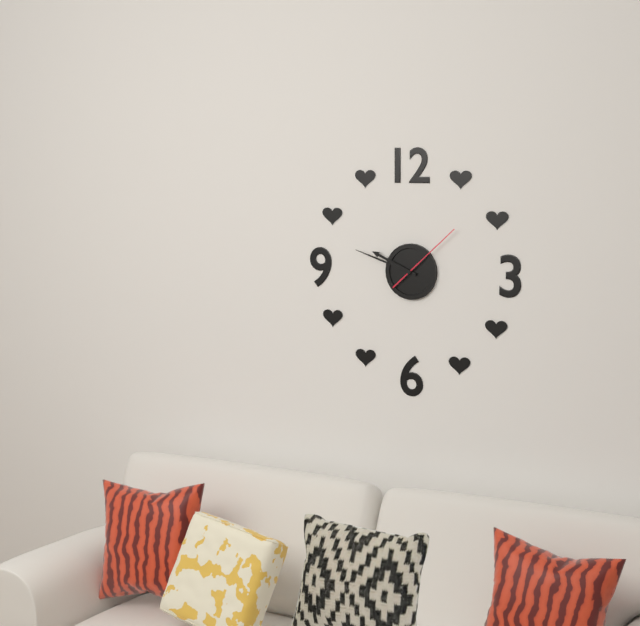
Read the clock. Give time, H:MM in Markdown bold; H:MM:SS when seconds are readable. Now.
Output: **9:48:08**
